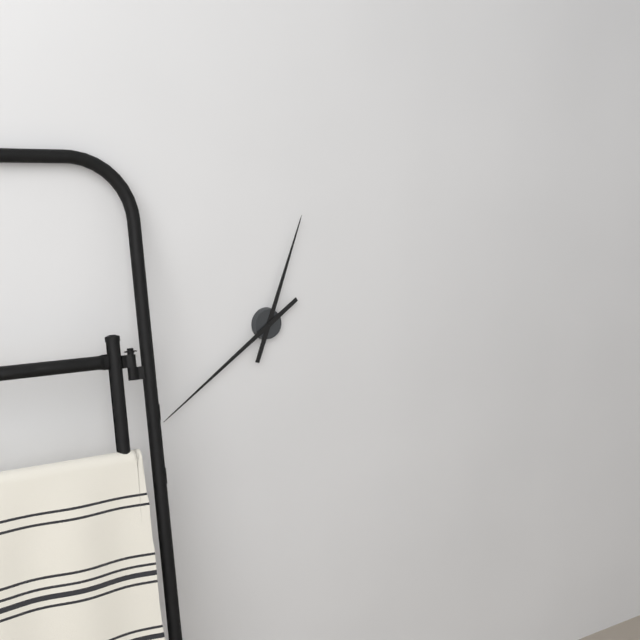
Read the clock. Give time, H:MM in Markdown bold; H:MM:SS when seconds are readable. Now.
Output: **12:39**
